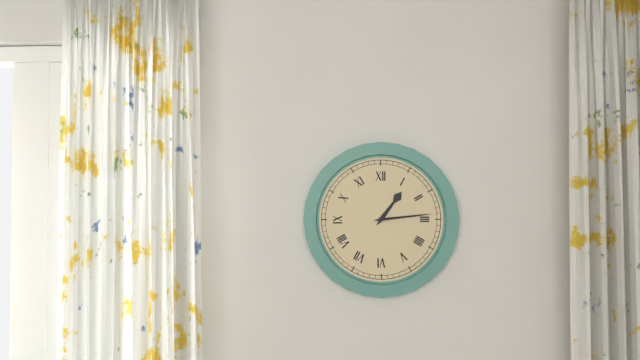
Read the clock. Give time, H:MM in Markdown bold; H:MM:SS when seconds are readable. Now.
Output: **1:14**
